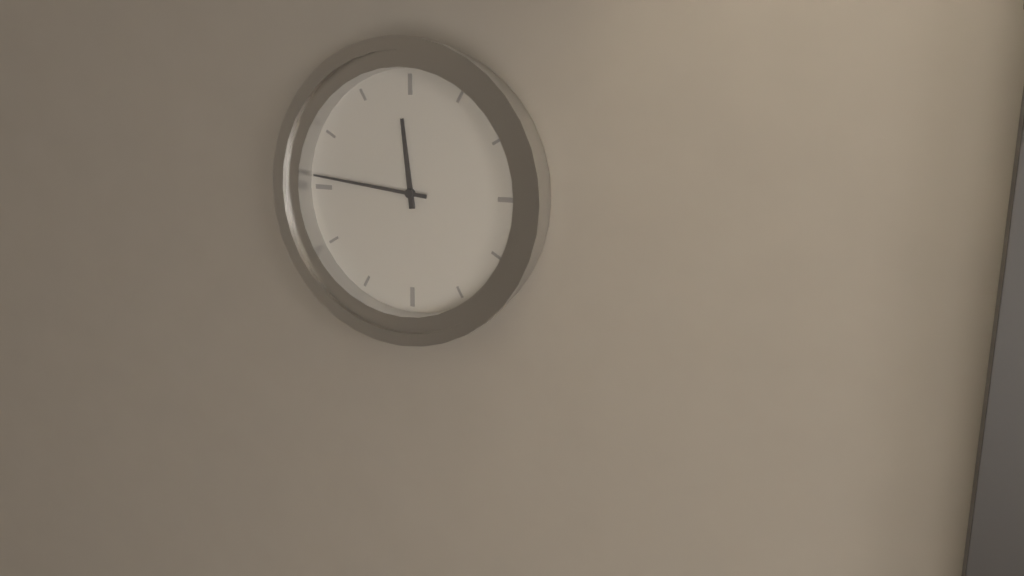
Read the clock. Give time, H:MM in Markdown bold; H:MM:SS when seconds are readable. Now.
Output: **11:46**
